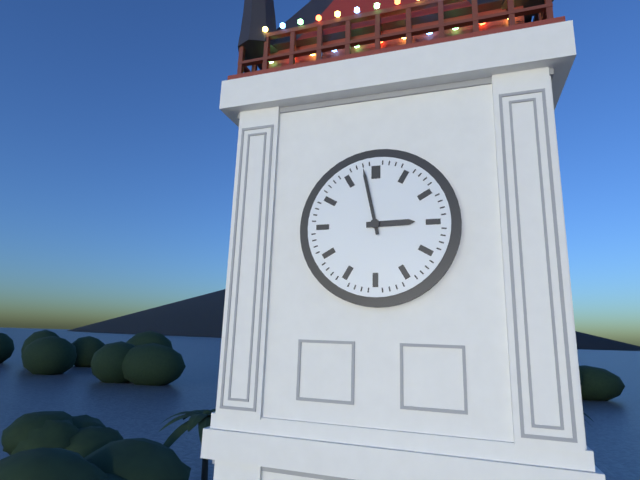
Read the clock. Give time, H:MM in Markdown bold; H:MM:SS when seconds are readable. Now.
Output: **2:58**
